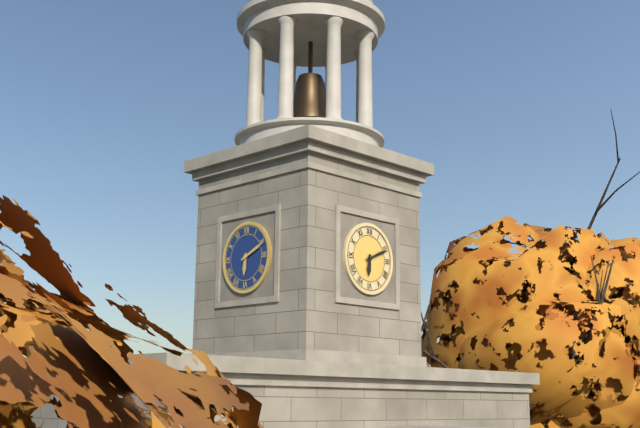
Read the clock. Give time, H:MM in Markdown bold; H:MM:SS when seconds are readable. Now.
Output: **6:11**
